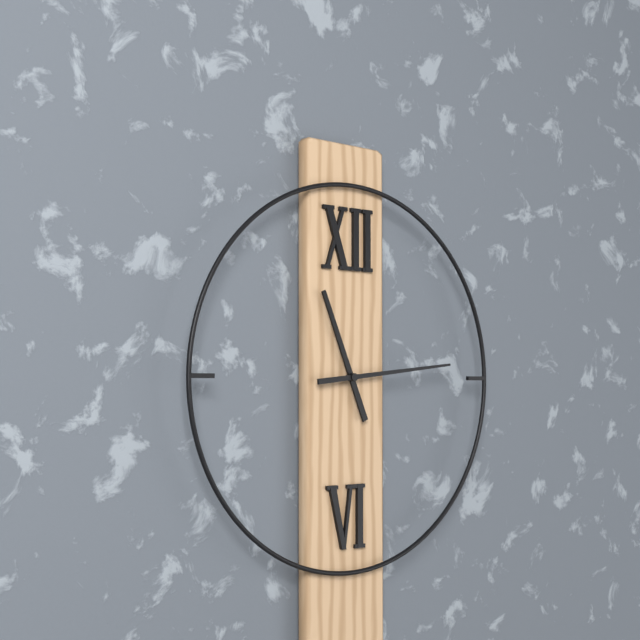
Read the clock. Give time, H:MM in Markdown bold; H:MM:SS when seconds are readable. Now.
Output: **11:14**
